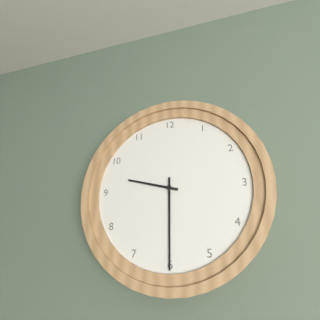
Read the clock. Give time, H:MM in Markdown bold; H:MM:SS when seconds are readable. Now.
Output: **9:30**
